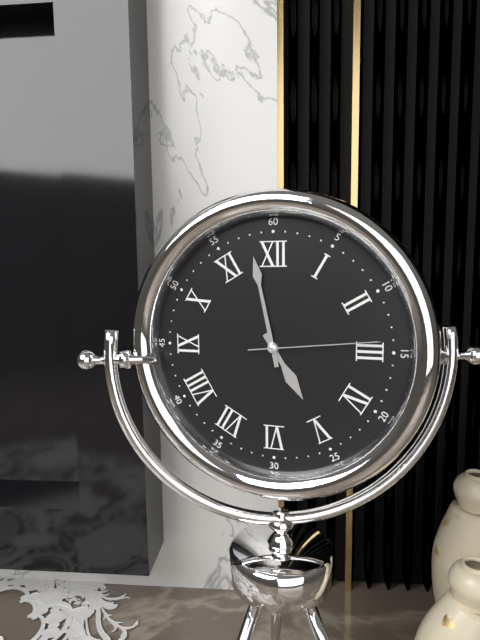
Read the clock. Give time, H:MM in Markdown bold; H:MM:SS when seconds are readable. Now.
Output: **4:58:14**
